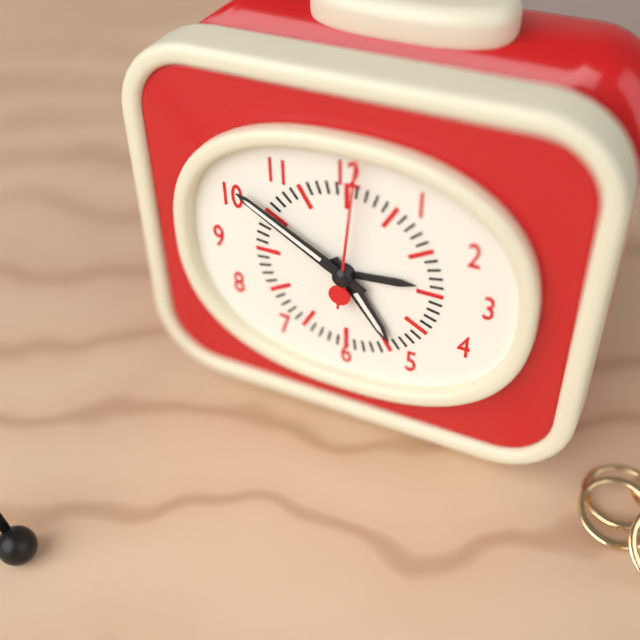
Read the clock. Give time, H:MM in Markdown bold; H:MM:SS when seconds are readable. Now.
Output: **4:50:01**
